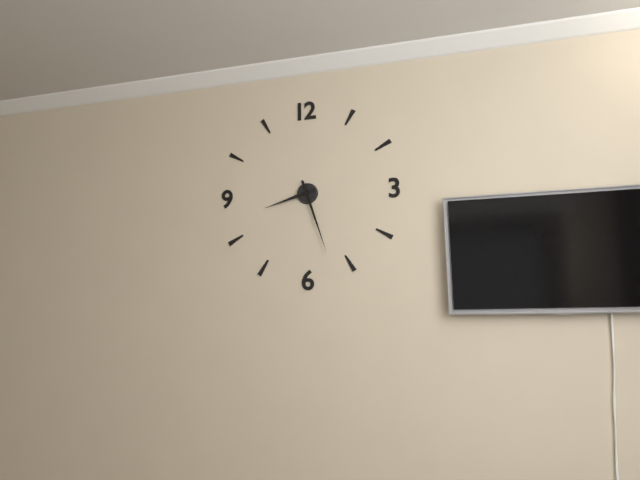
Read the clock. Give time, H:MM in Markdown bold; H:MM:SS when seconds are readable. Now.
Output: **8:27**
